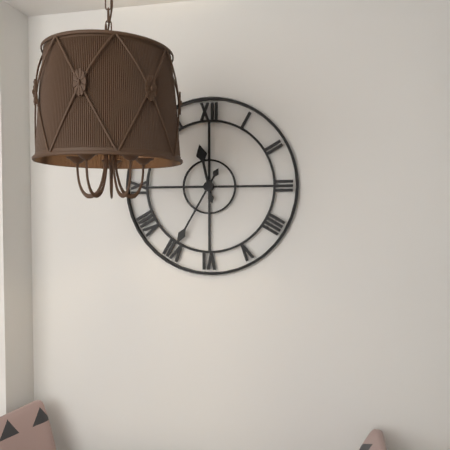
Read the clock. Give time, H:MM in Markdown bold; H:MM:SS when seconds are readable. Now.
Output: **11:35**
